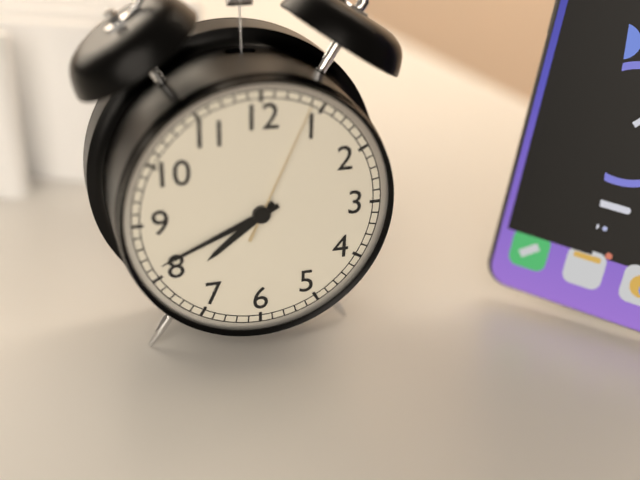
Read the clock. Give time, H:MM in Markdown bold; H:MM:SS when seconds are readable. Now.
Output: **7:41:04**
